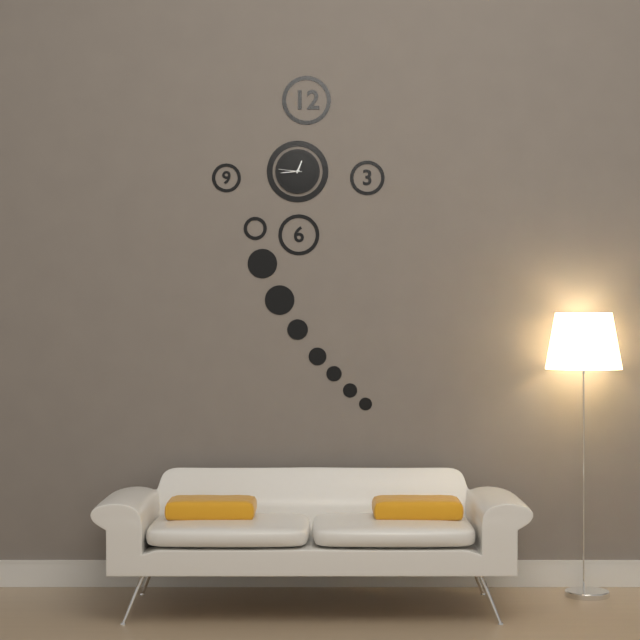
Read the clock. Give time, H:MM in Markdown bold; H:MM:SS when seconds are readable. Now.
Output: **12:44**
